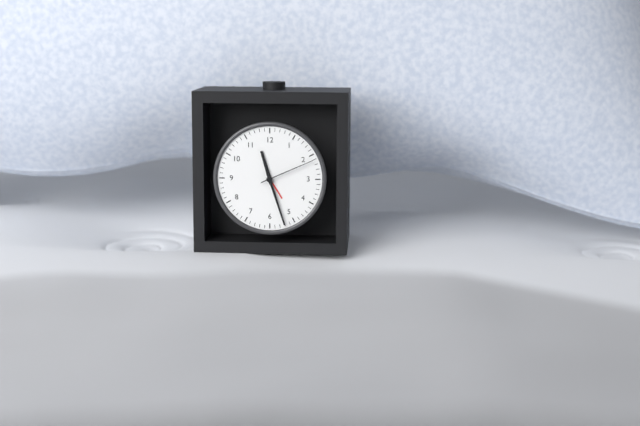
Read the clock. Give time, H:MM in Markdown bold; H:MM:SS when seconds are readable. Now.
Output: **11:27:11**
